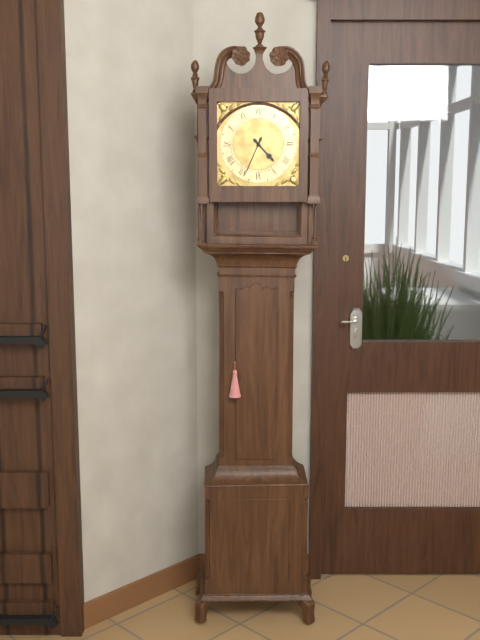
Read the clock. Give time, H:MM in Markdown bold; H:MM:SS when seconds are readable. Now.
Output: **4:34**
